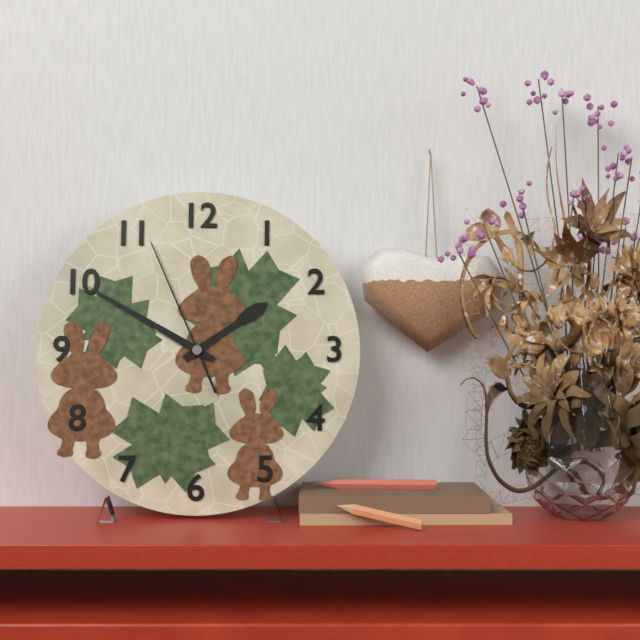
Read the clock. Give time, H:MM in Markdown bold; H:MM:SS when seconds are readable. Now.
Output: **1:50:56**
